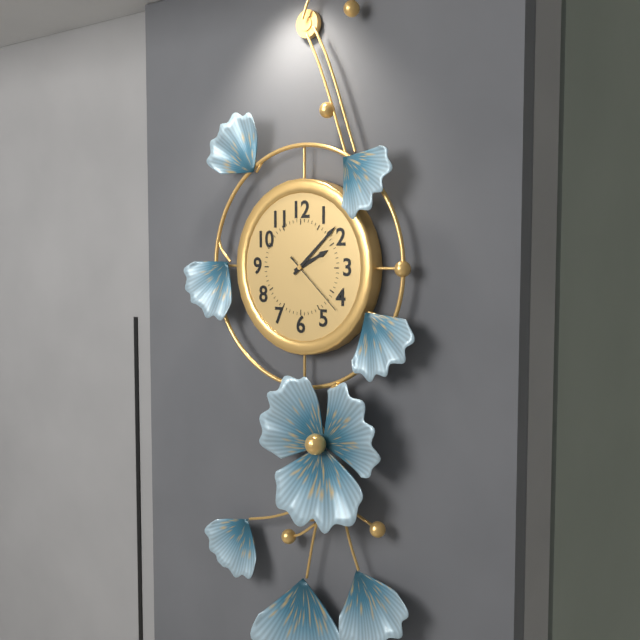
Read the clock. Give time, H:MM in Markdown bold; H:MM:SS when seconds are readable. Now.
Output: **2:08:22**
